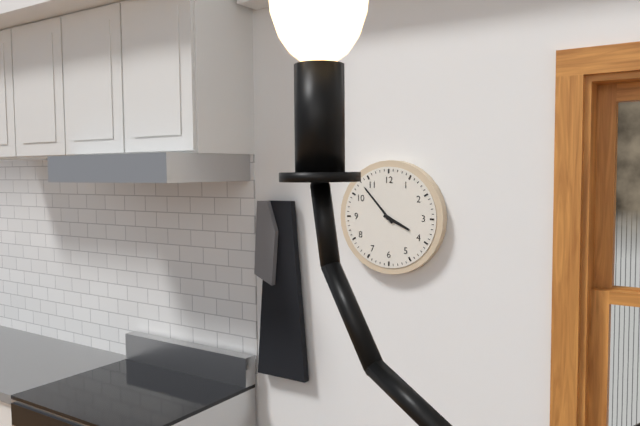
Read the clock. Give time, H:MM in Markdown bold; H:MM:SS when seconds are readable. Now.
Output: **3:53**
